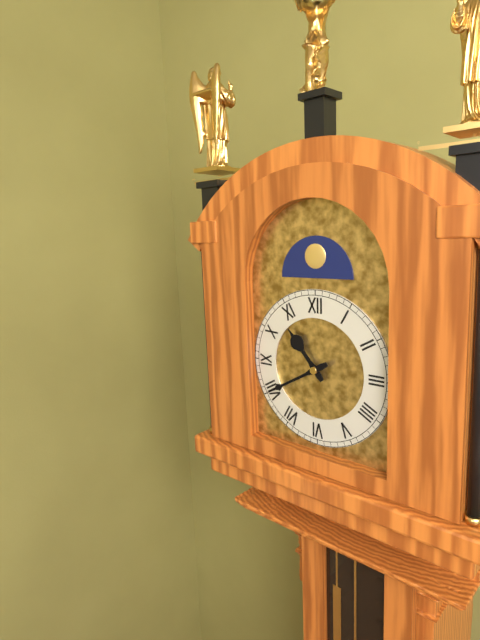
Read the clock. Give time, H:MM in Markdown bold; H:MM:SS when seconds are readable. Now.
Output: **10:40**
